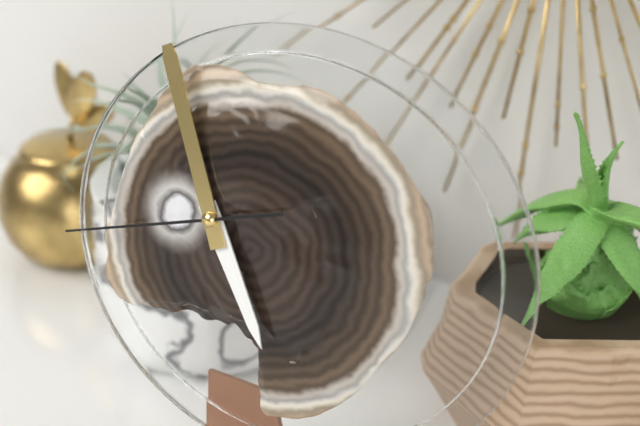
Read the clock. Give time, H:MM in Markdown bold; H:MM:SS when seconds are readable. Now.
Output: **4:56:42**
